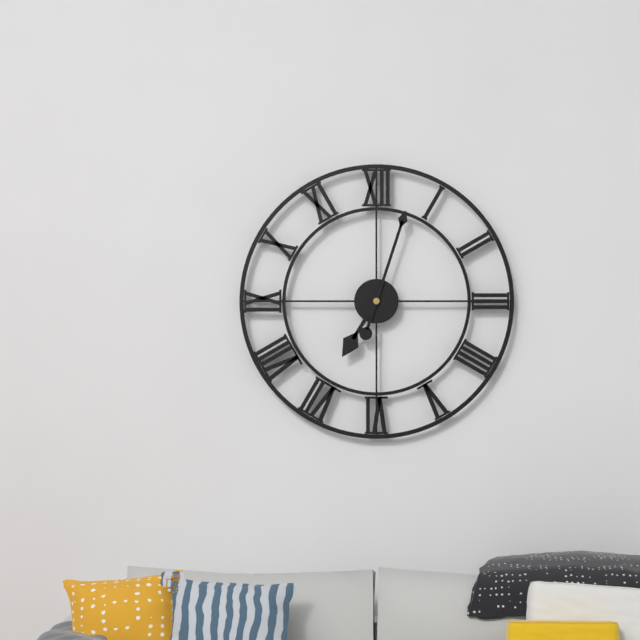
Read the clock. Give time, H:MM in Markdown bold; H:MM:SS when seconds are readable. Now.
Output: **7:03**
